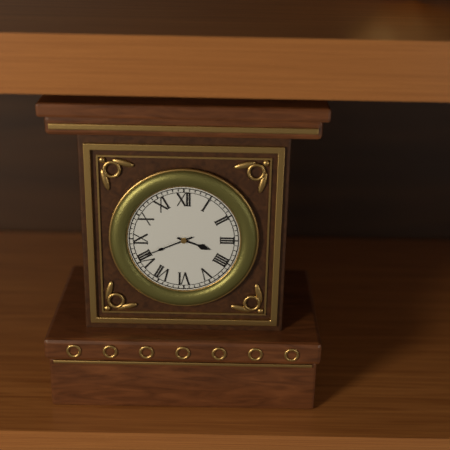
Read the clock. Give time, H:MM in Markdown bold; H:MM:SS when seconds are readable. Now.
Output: **3:41**
